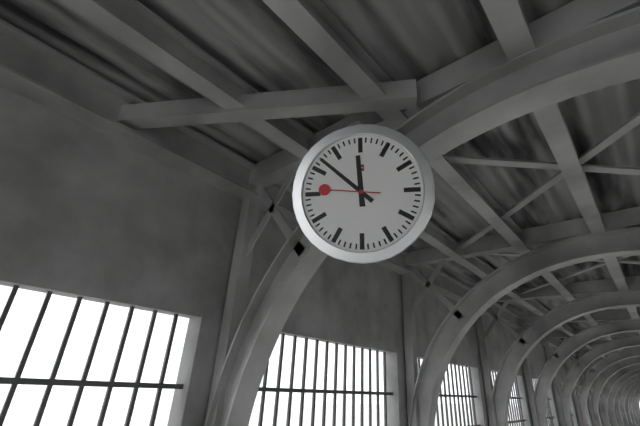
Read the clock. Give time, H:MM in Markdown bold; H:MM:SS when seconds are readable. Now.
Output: **11:52:46**
